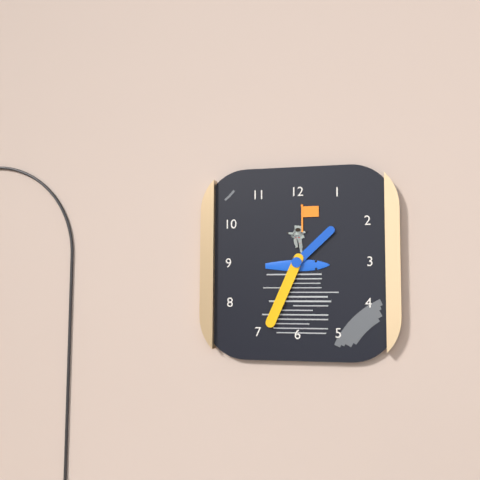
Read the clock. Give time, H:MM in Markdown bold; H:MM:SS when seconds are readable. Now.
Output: **1:34**
